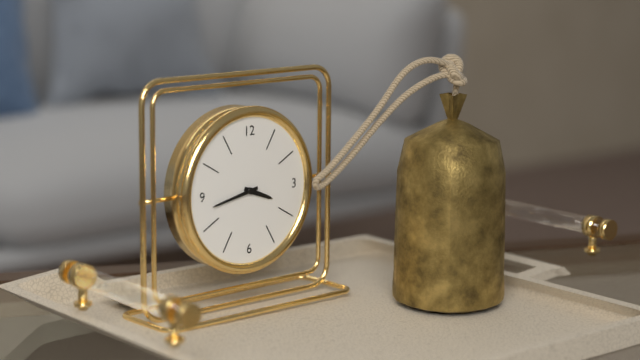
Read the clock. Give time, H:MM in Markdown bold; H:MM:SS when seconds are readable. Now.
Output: **3:43**
